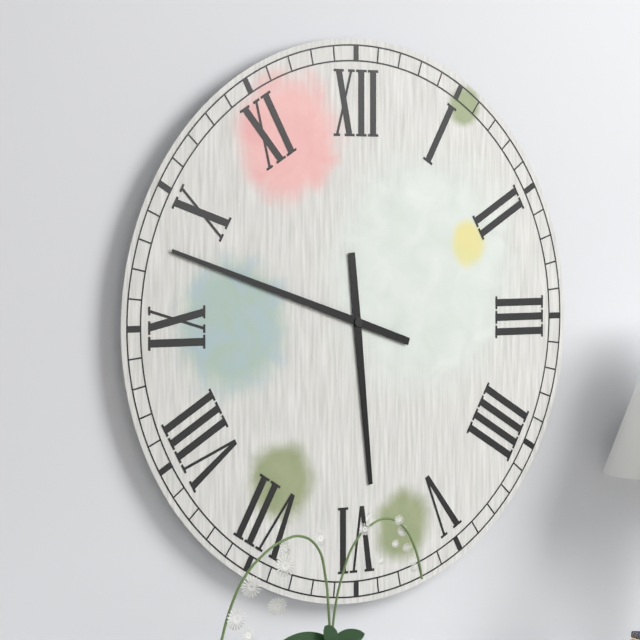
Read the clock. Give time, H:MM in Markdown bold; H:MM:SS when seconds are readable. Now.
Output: **5:48**
